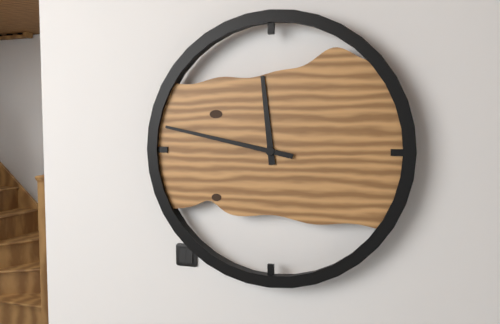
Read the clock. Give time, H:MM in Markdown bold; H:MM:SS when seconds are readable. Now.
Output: **11:47**
